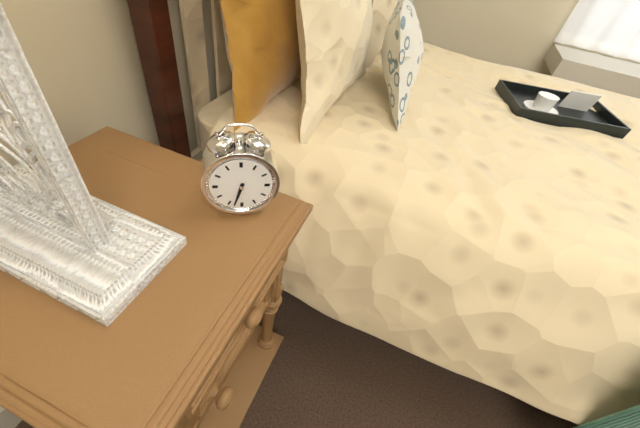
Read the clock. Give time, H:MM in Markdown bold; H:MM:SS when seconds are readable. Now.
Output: **6:33**
